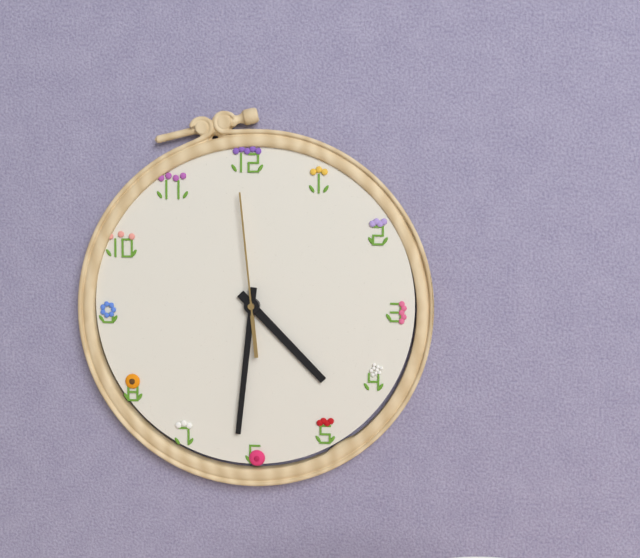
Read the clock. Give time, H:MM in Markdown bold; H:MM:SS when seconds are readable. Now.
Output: **4:31:59**
